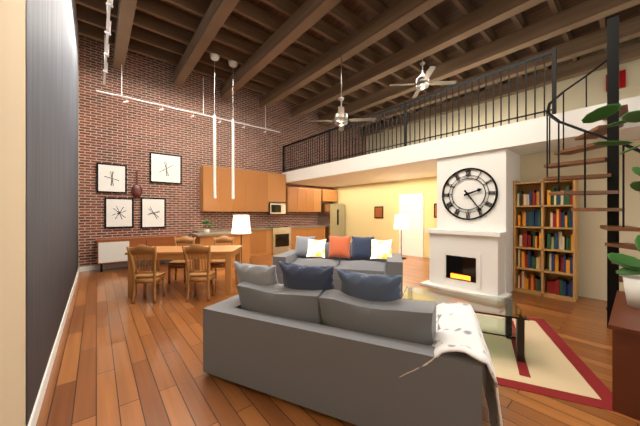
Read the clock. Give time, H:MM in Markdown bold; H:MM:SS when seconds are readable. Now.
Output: **2:24**
